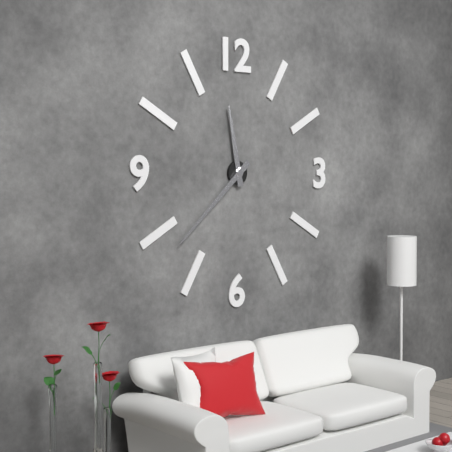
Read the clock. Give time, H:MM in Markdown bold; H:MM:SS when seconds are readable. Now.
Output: **11:38**
